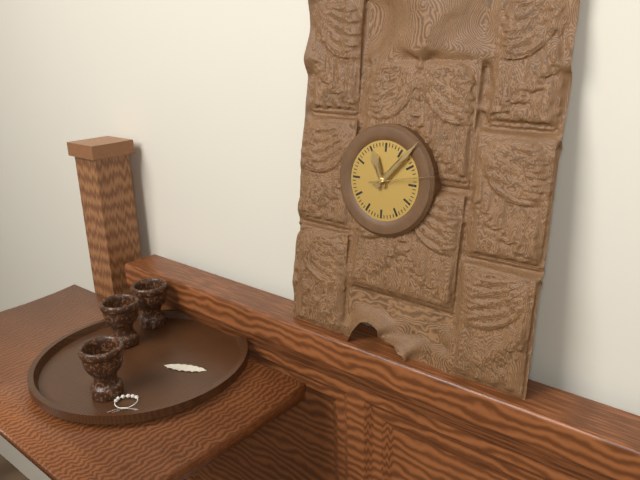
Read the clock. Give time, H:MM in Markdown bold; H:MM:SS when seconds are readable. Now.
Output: **11:07:13**
